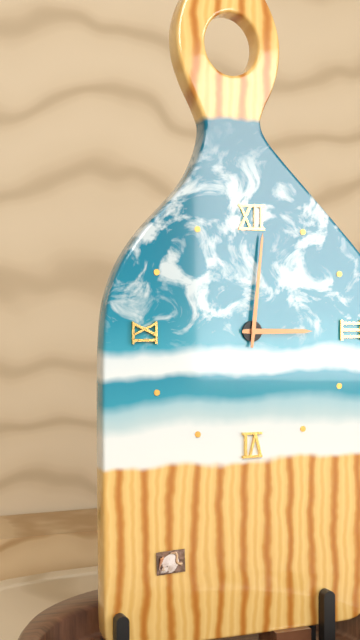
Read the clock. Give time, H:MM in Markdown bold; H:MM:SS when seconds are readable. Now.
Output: **3:01**
